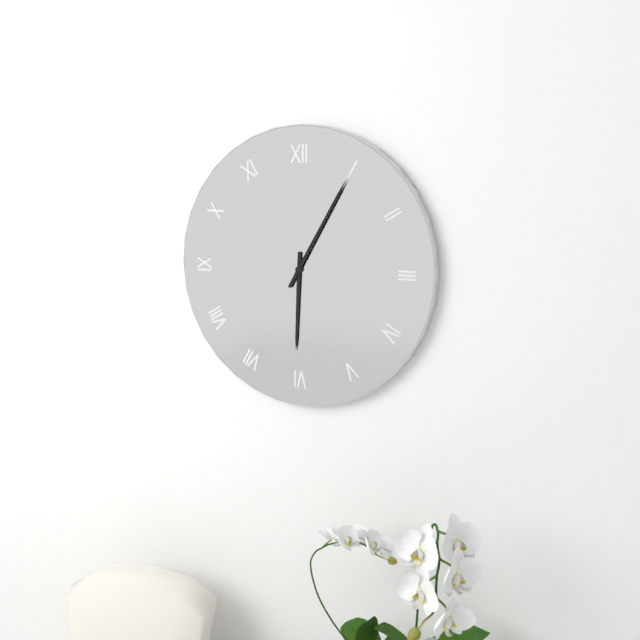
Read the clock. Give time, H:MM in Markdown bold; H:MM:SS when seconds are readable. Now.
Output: **6:05**
